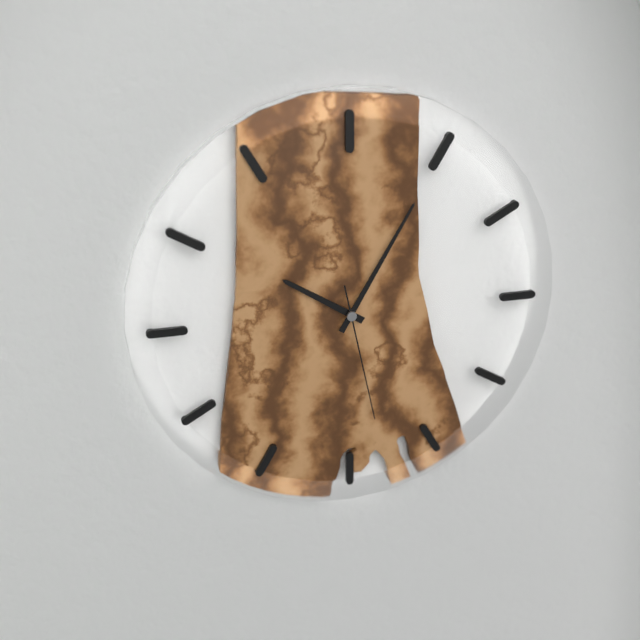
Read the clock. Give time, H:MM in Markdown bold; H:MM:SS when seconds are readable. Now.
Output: **10:05:28**
